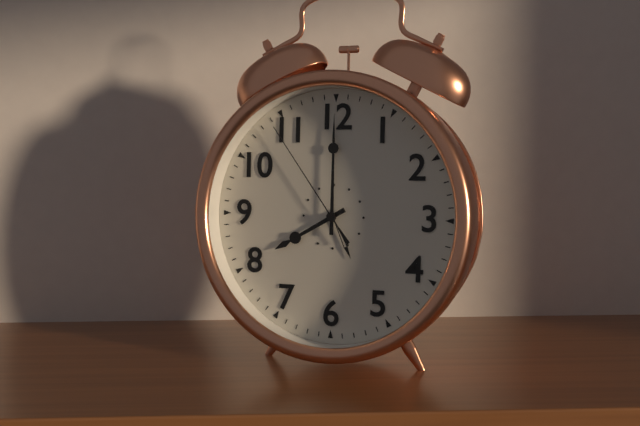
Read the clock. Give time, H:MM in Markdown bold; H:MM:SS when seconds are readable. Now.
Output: **8:00:54**
